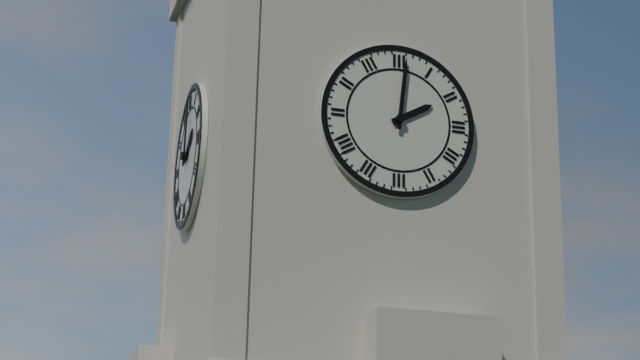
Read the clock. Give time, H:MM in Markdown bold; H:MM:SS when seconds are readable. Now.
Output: **2:01**
